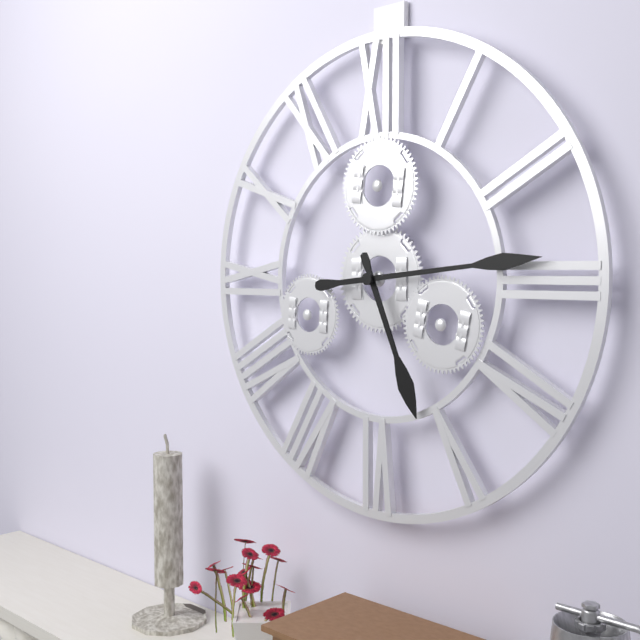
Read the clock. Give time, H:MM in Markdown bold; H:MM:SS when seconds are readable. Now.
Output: **5:14**
